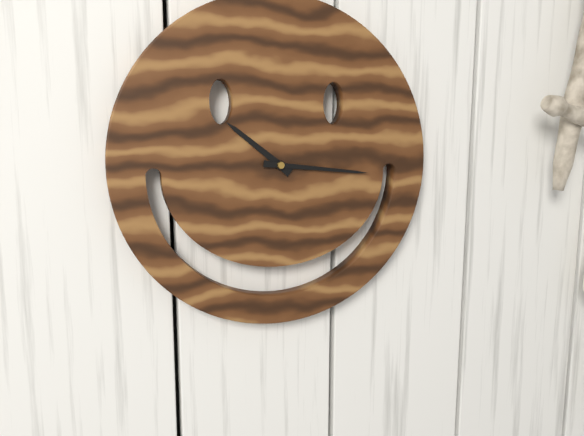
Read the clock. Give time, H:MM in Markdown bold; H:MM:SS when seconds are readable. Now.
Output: **10:16**
